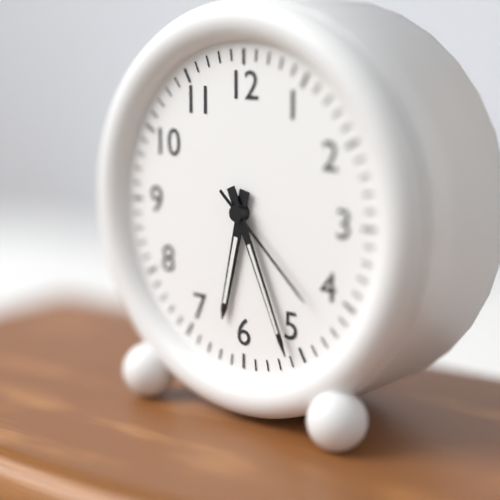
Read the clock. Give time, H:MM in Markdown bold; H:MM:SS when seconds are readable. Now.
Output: **6:26:22**
